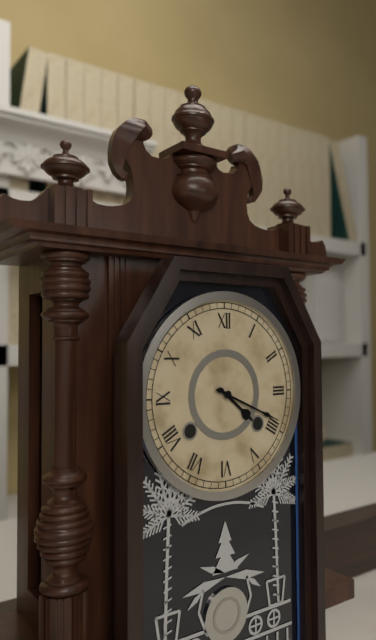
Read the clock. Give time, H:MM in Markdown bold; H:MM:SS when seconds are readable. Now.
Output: **4:19**
